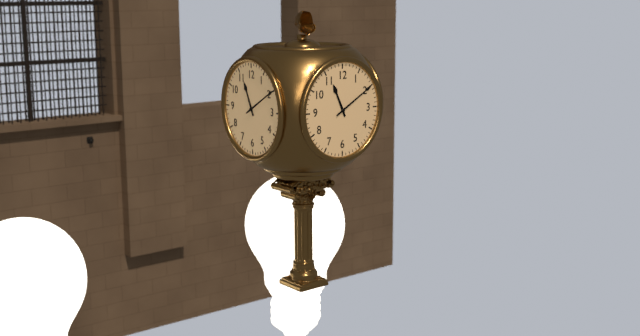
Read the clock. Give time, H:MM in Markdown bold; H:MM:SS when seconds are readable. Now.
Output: **11:10**
